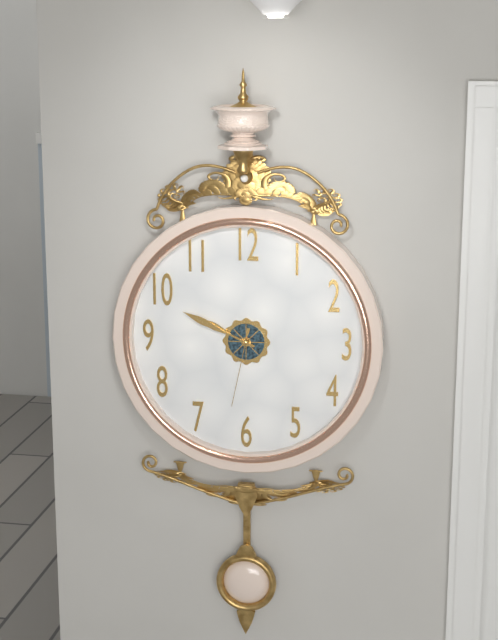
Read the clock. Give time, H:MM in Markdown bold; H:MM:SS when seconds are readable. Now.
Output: **9:49:32**
